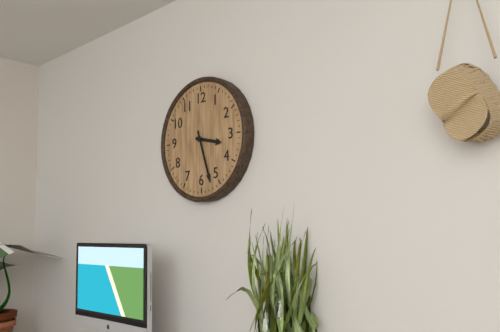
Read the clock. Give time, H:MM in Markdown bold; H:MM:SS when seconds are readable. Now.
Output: **3:27**
